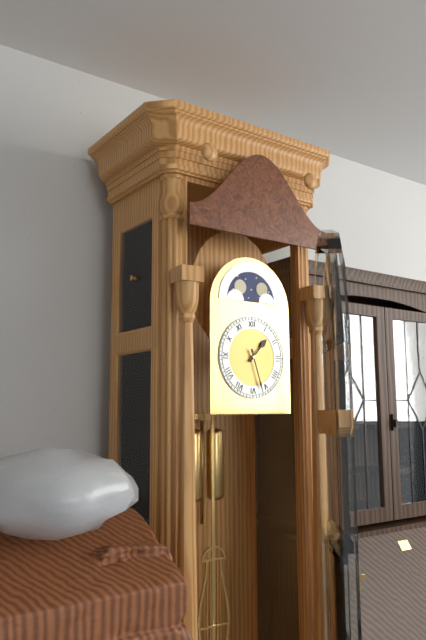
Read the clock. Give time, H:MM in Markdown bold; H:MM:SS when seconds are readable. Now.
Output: **1:27**
